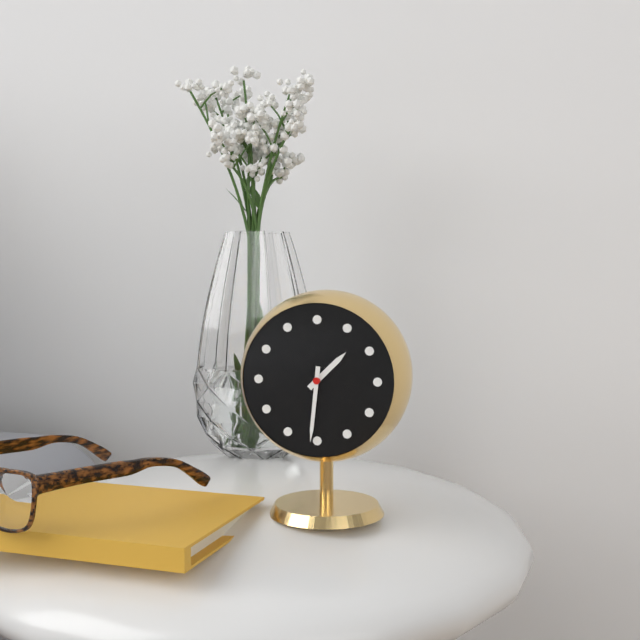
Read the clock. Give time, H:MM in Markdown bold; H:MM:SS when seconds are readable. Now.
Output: **1:31**
